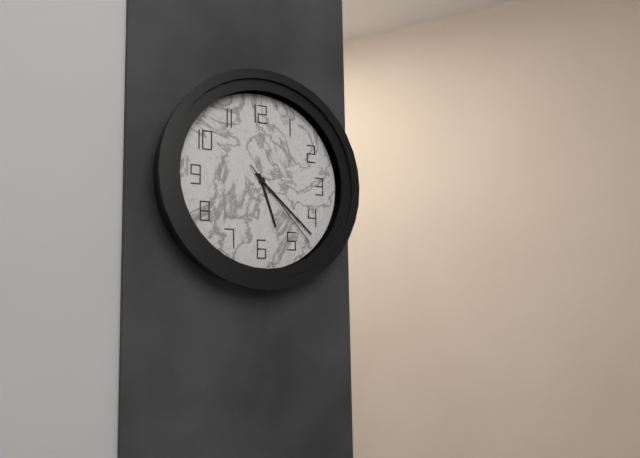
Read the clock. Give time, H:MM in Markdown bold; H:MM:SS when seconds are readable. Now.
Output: **5:22:23**
